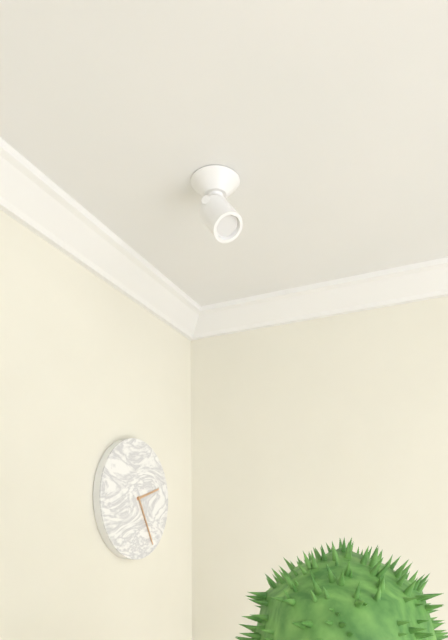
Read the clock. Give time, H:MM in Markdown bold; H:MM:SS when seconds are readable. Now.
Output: **2:25**
